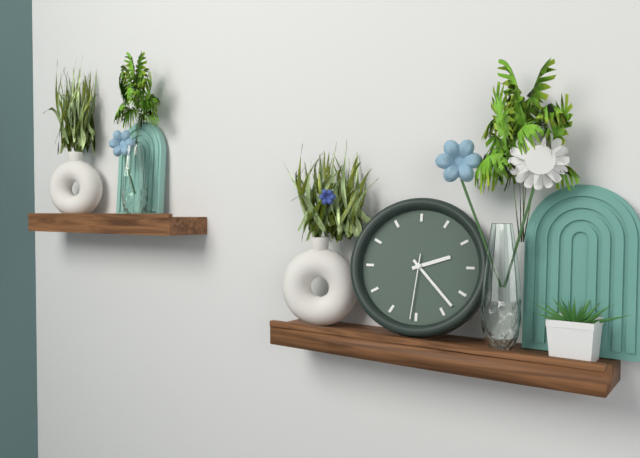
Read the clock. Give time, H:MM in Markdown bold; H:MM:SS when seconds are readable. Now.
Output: **2:23:31**
